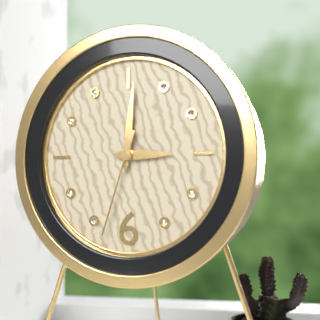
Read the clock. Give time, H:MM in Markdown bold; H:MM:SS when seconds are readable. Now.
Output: **3:01:33**
